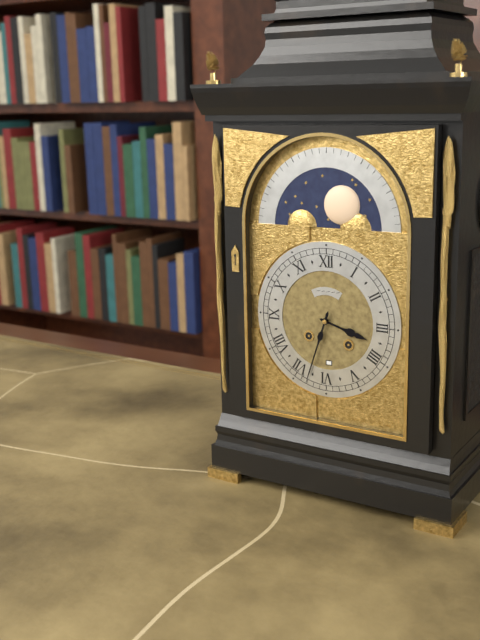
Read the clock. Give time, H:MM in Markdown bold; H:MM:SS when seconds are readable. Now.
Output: **3:33**
